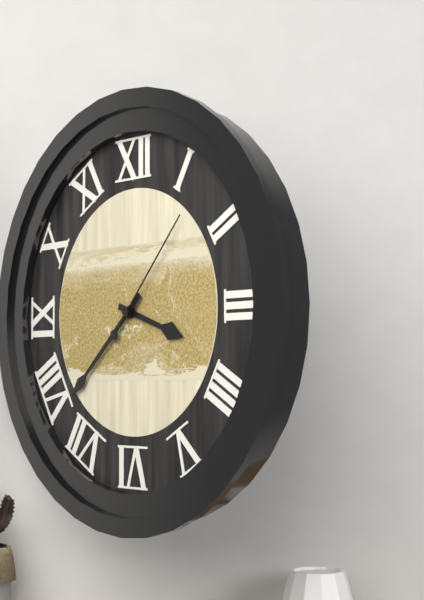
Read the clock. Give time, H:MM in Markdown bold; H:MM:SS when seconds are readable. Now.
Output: **3:38:07**
